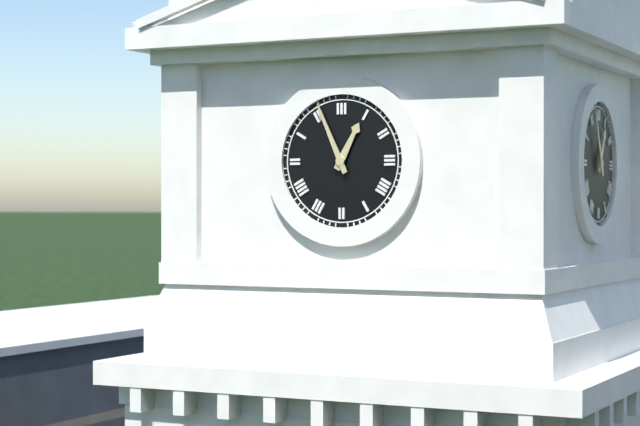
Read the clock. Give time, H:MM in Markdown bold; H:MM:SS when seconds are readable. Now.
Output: **12:56**
